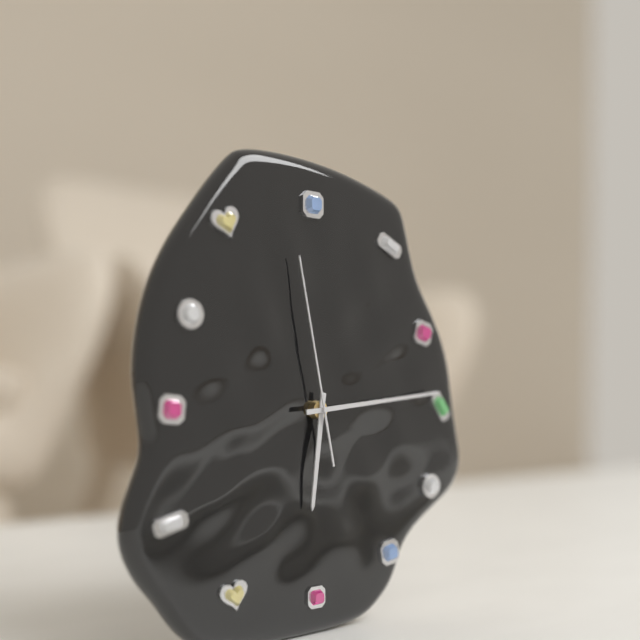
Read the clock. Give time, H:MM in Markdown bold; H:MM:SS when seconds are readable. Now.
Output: **6:14:58**
